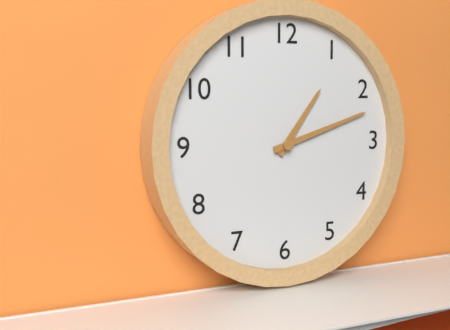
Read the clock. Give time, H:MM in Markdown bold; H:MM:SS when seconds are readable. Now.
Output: **1:12**
